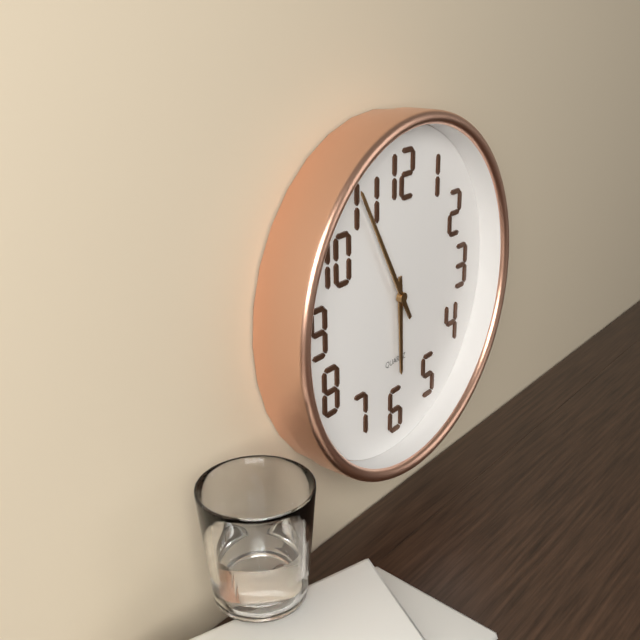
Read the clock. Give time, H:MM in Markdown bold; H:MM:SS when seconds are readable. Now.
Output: **5:55**
